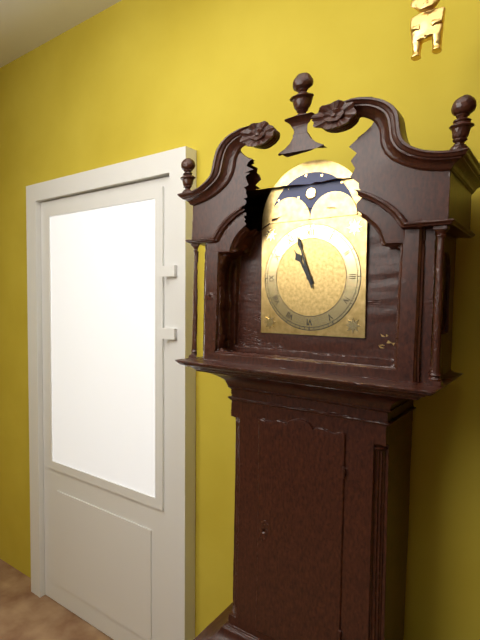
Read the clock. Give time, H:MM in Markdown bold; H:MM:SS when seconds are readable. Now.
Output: **10:57**
